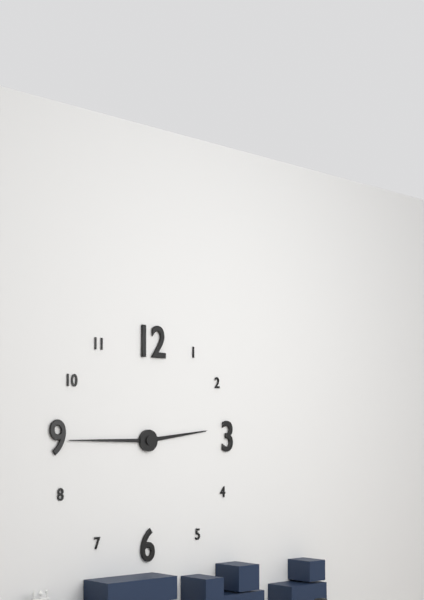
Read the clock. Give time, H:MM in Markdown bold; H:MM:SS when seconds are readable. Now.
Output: **2:45**
